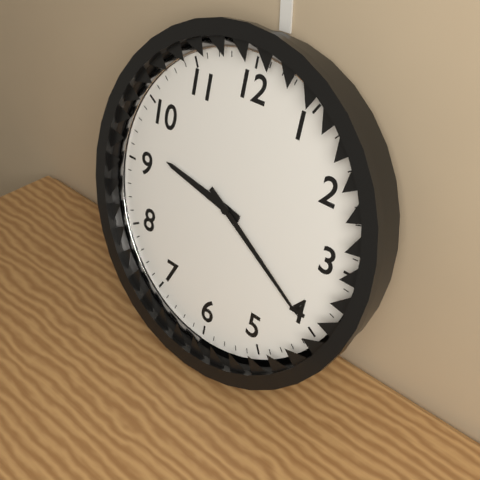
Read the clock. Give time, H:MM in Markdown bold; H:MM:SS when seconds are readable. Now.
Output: **9:20**
